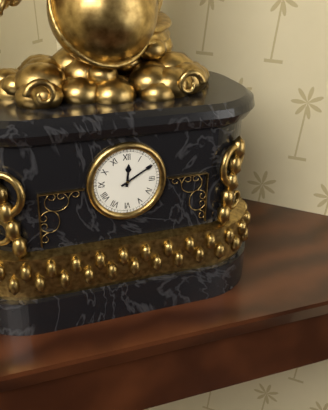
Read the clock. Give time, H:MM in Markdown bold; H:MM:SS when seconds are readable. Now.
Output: **12:10**
